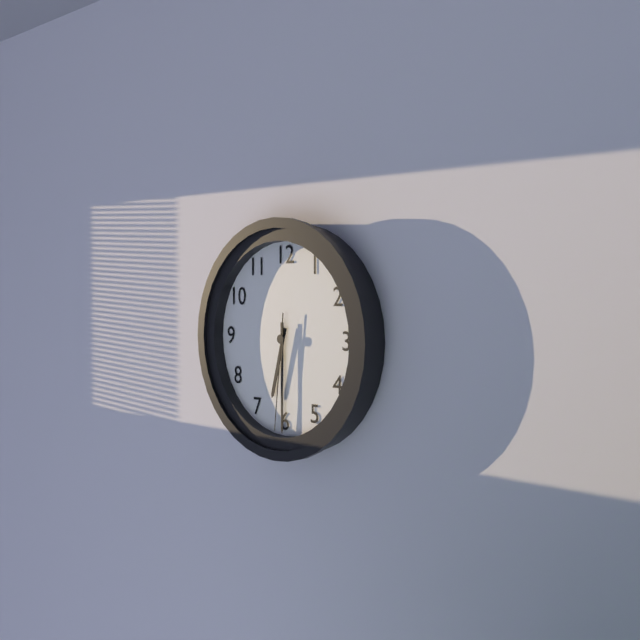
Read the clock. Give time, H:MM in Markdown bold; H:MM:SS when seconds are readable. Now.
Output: **6:30:31**
